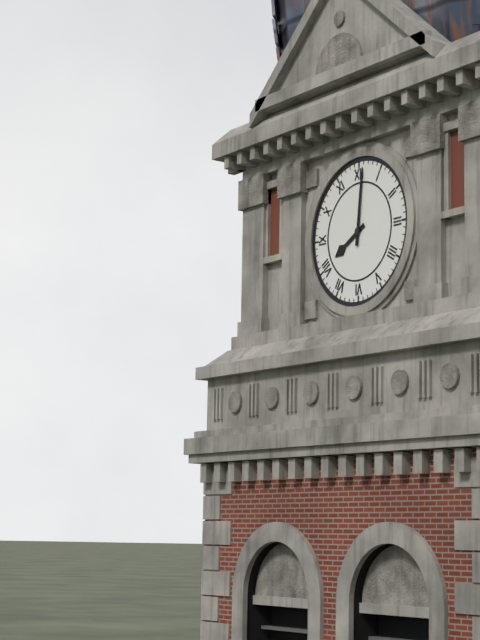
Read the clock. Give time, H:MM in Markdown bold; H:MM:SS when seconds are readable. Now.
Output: **8:01**
